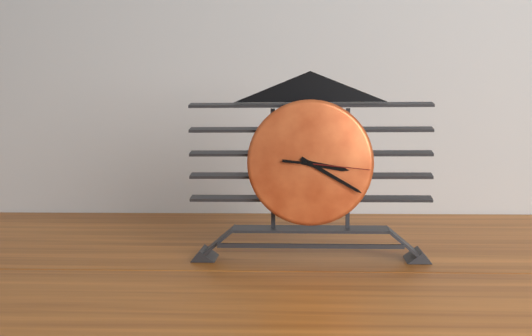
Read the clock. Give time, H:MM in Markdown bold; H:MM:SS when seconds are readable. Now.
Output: **3:20:16**
